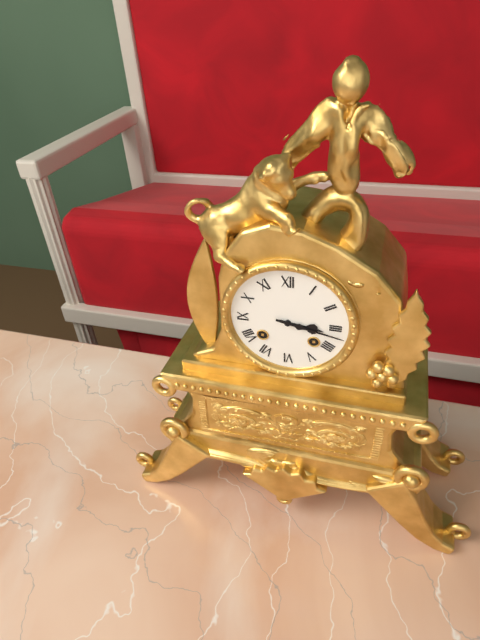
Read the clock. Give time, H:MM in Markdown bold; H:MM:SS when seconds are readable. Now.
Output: **3:17**
